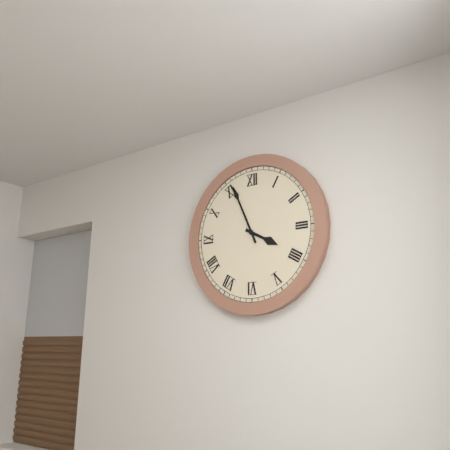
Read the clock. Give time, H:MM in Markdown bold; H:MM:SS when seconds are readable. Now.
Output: **3:56**
